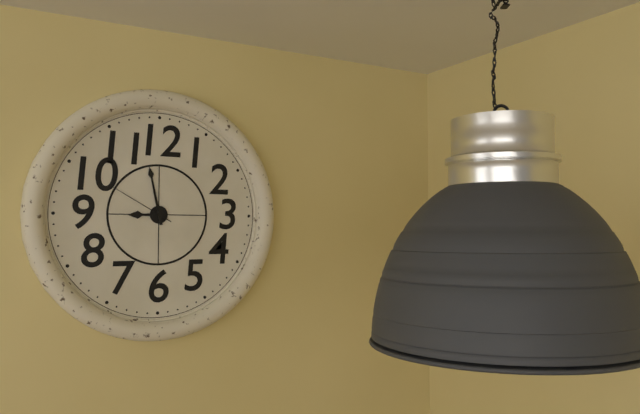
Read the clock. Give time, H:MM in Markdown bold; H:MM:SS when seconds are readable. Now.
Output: **8:58:50**
